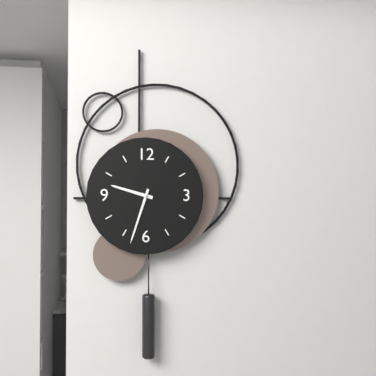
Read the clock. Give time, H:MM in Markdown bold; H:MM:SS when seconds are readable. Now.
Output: **9:33**
